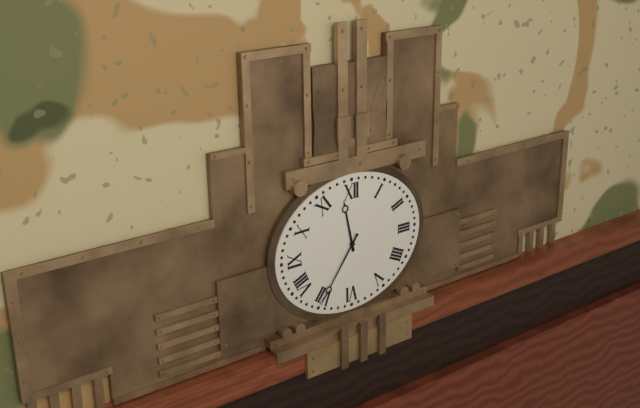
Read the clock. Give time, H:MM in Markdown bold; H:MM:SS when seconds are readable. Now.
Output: **11:36**
